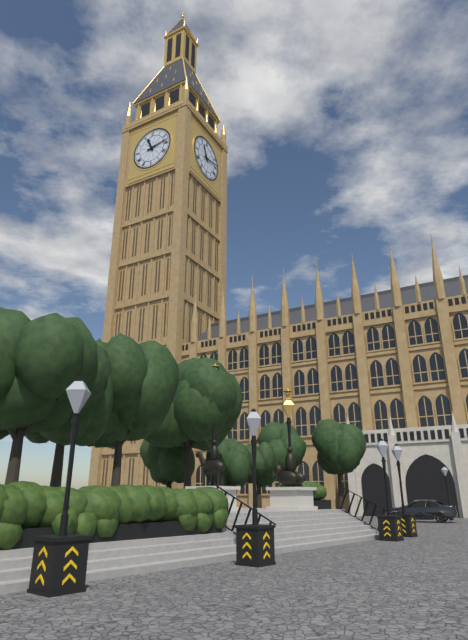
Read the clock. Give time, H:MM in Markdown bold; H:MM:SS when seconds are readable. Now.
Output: **11:13**
